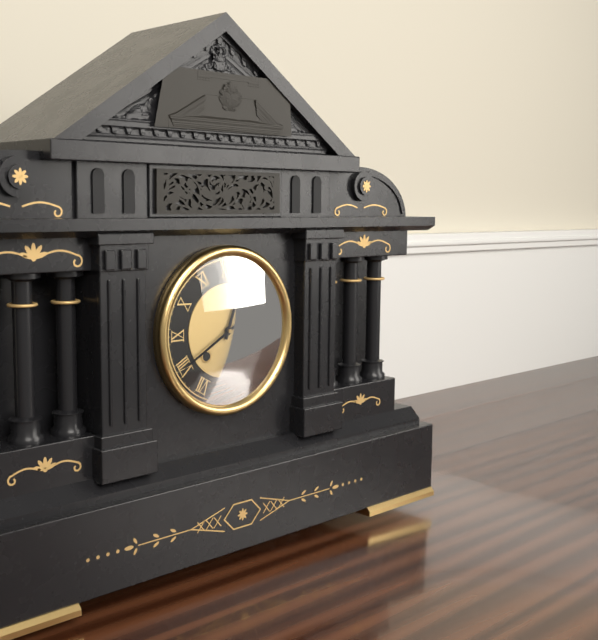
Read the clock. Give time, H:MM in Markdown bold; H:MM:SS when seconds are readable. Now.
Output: **12:40**
